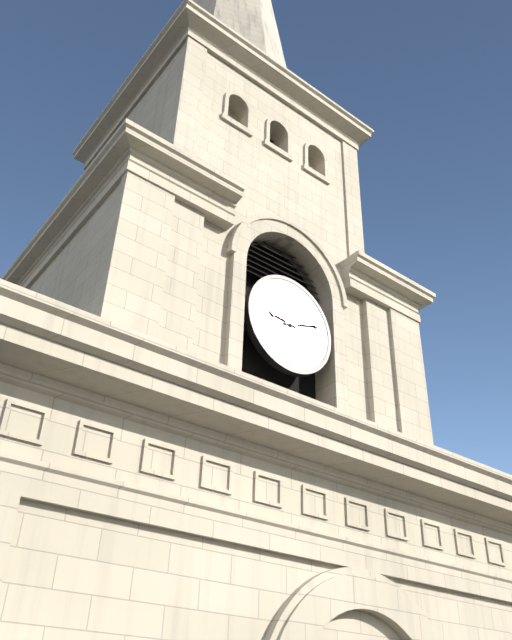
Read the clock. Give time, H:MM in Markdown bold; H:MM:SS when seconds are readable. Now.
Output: **9:12**
